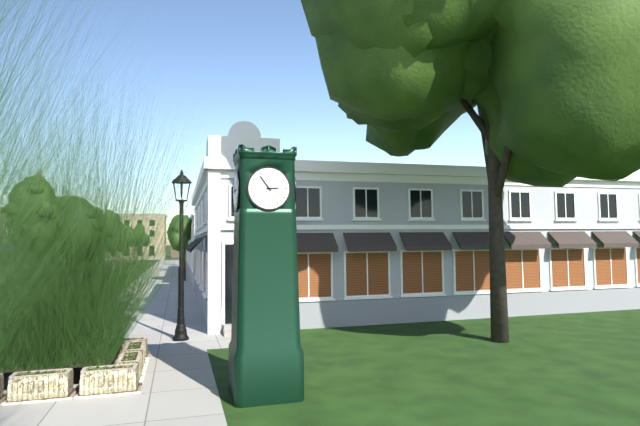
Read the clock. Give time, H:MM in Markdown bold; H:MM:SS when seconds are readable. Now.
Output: **2:54**
